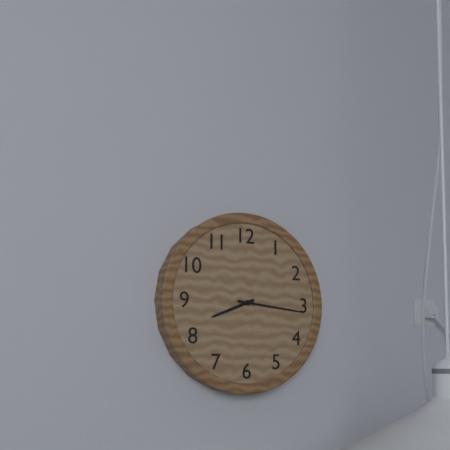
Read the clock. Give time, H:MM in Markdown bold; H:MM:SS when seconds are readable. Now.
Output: **8:16**
